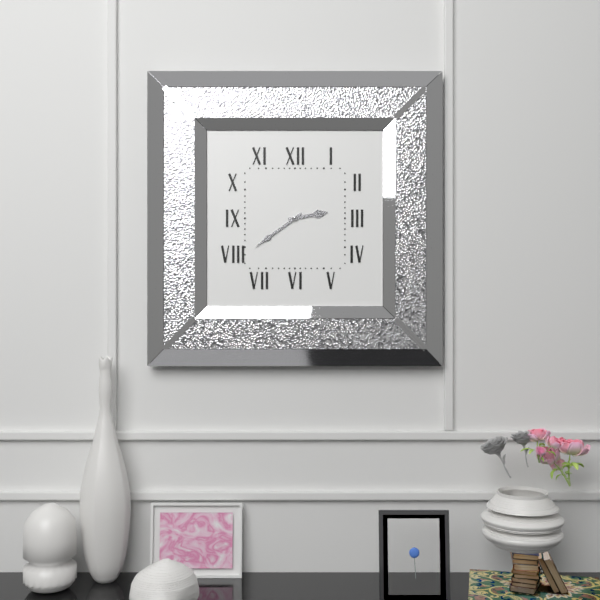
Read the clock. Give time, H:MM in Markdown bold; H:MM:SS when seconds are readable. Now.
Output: **2:39**
